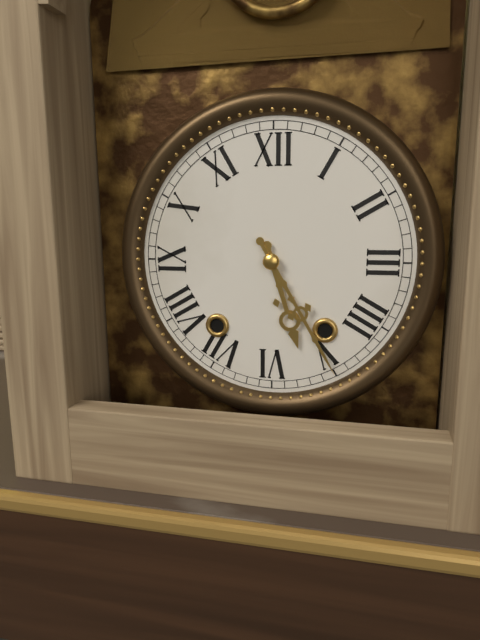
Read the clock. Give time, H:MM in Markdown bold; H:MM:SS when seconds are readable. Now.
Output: **5:25**
